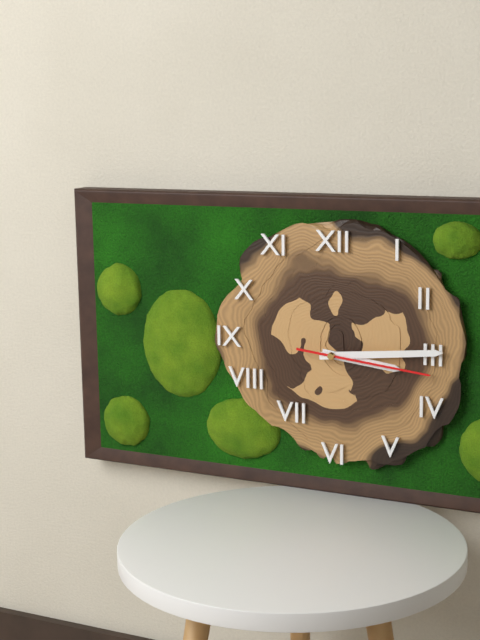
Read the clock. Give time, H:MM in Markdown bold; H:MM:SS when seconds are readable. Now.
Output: **3:14:16**
